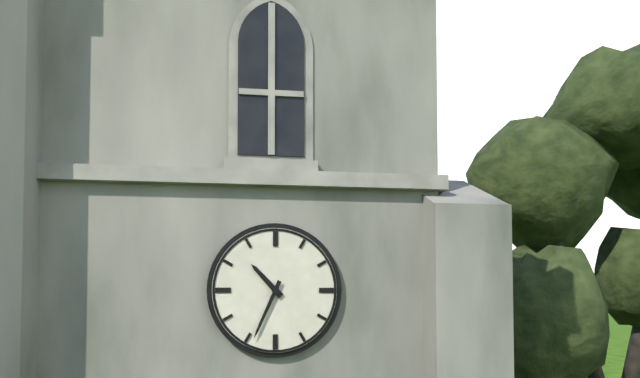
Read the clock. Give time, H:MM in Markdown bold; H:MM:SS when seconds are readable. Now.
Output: **10:34**
